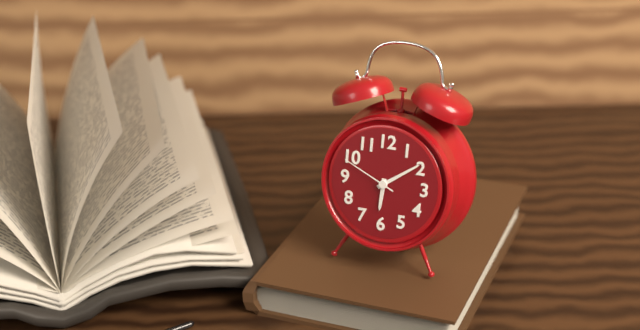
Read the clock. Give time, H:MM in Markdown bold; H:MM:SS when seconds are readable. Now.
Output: **6:09:49**
